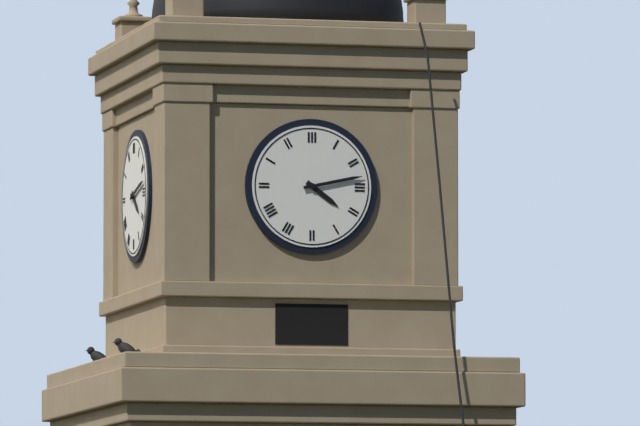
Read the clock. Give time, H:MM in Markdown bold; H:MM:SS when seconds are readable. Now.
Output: **4:13**
